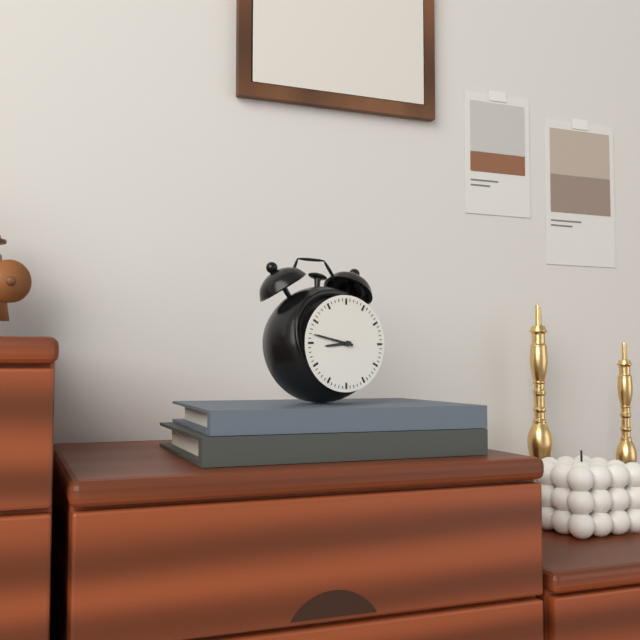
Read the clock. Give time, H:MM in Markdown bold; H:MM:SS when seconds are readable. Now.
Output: **8:47**
